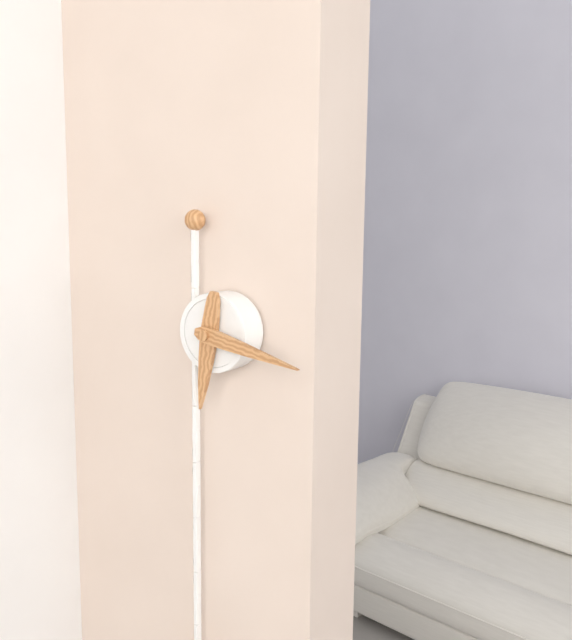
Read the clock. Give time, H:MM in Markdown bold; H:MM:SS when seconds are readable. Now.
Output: **6:17**
